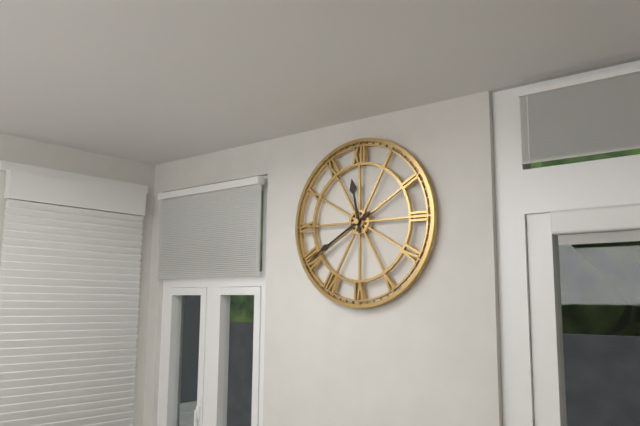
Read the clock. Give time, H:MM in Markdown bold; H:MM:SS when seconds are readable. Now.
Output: **11:40**
